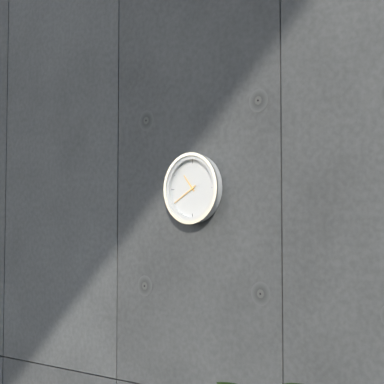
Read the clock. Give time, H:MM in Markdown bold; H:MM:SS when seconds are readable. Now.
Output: **10:40**
